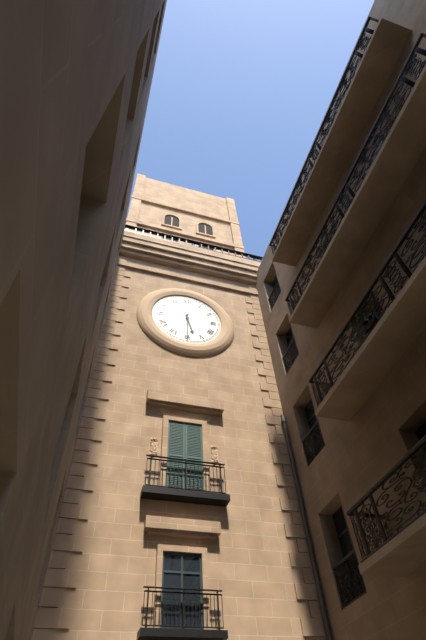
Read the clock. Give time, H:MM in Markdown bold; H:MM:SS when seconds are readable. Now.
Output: **5:30**
